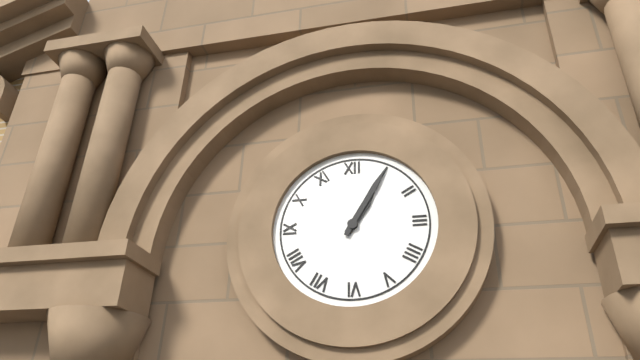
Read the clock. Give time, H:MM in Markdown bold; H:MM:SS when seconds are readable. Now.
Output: **1:05**
